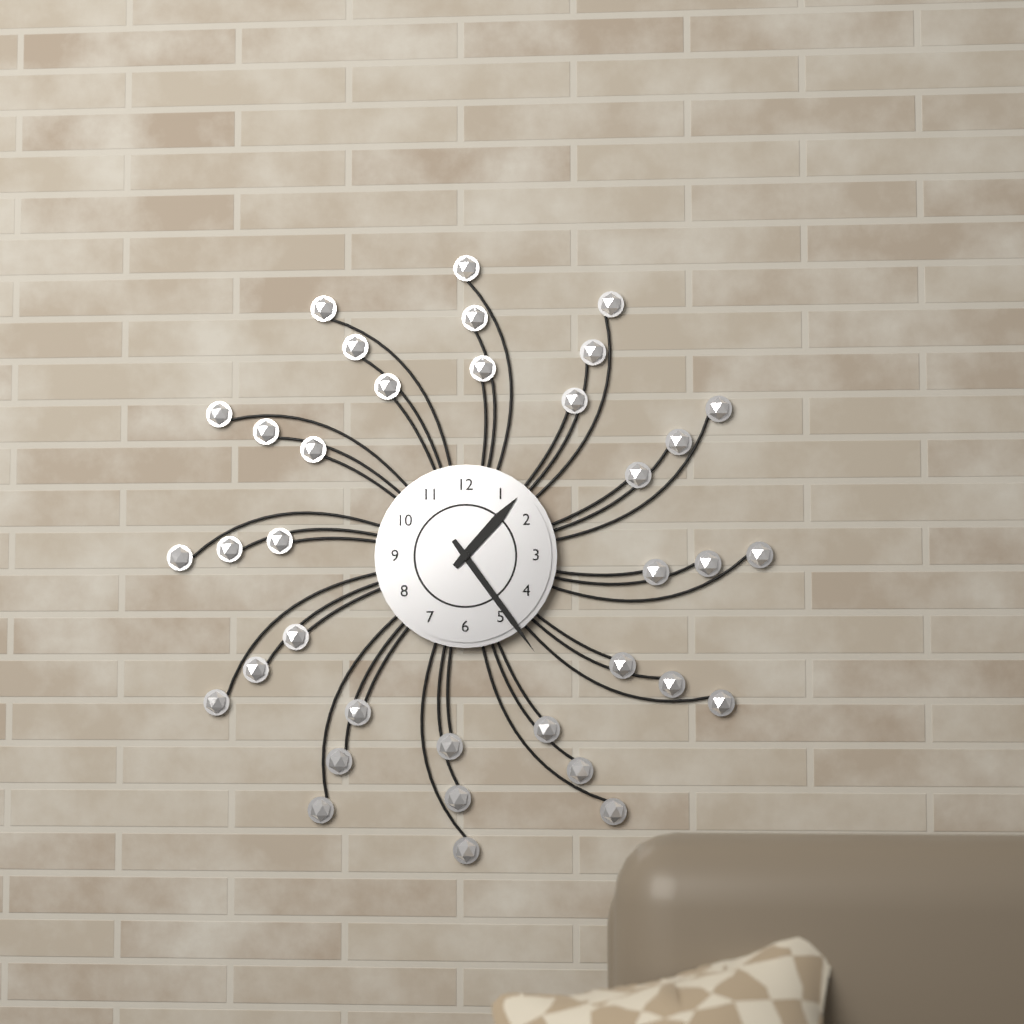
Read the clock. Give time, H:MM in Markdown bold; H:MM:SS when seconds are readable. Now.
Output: **1:24**
